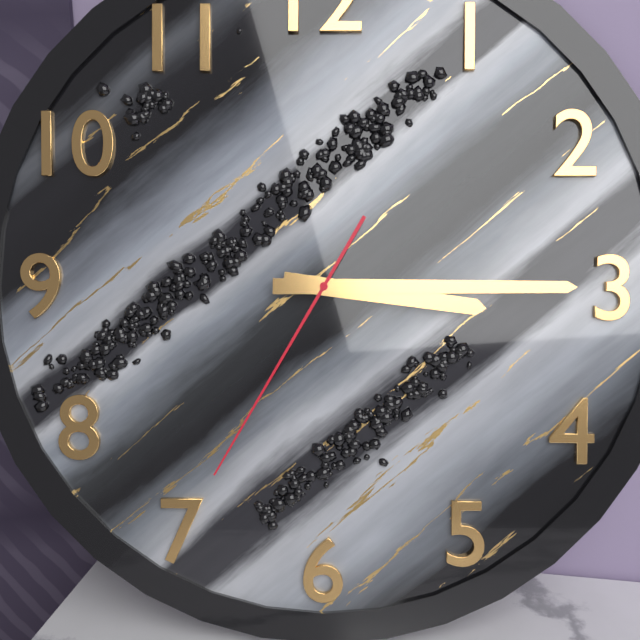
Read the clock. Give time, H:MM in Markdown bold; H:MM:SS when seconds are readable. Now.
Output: **3:15:35**
